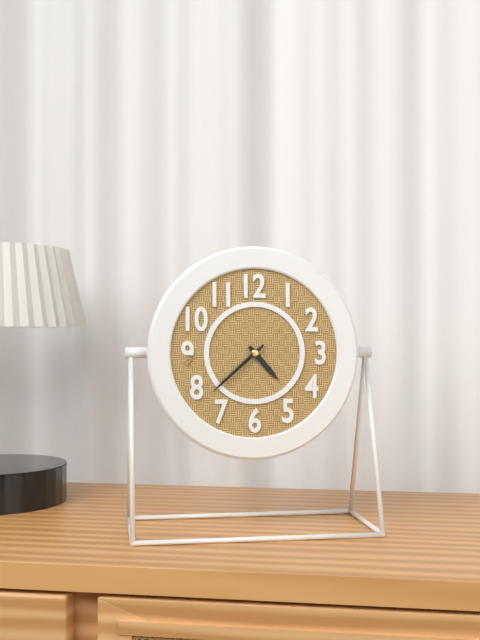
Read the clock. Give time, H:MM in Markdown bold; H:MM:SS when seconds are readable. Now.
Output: **4:38**
